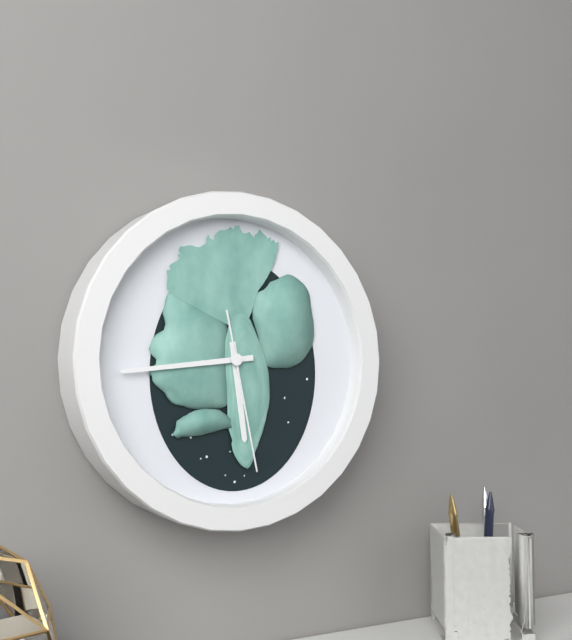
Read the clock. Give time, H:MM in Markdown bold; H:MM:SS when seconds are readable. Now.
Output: **5:44:28**
